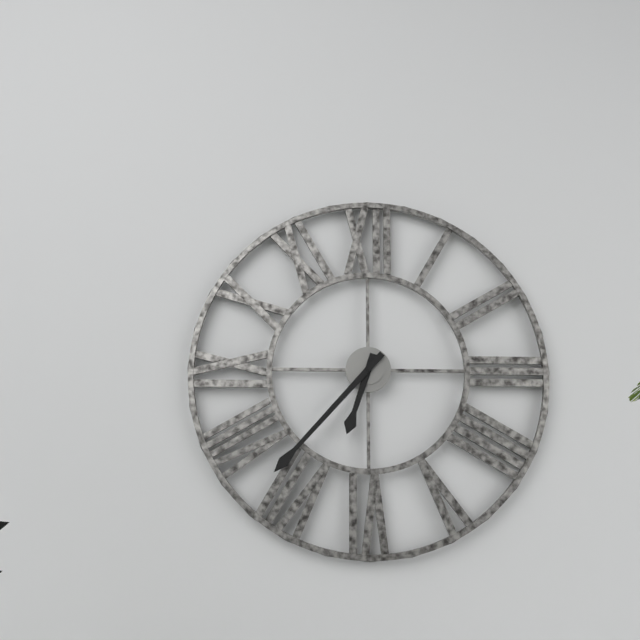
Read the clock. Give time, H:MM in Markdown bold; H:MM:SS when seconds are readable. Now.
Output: **6:37**
